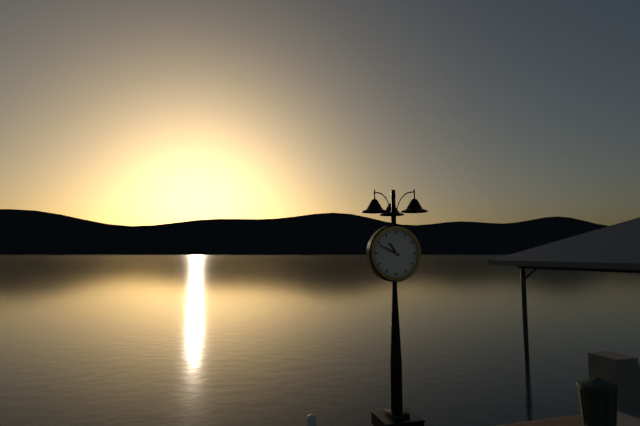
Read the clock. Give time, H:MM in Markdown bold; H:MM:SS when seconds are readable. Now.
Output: **10:49**
